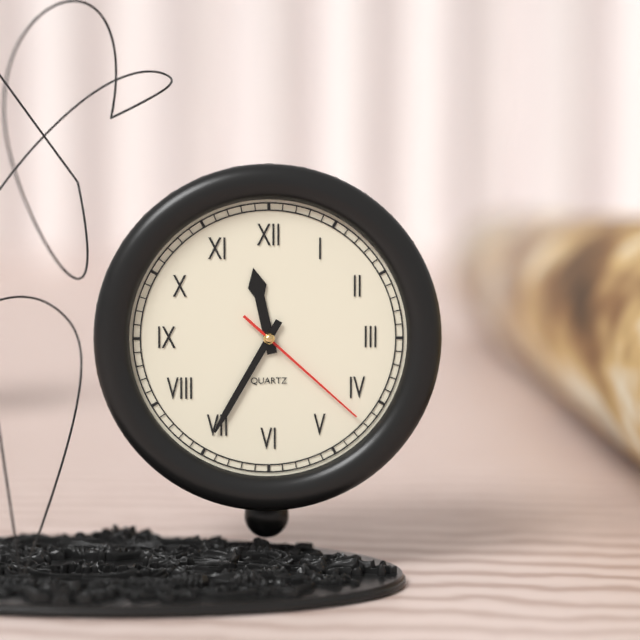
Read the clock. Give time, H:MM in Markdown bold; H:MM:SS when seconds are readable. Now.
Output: **11:35:22**
